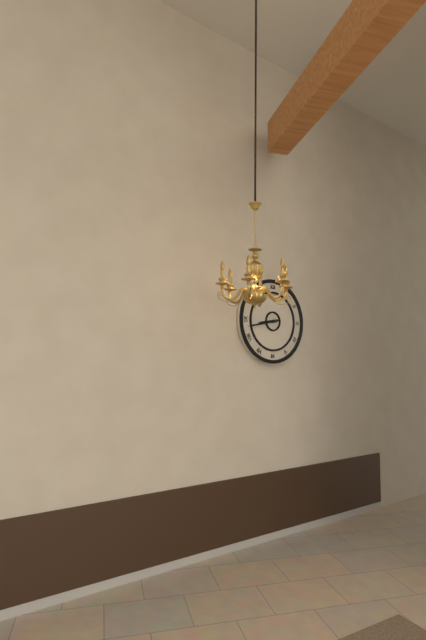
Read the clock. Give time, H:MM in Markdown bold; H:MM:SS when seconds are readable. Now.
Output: **8:43**
